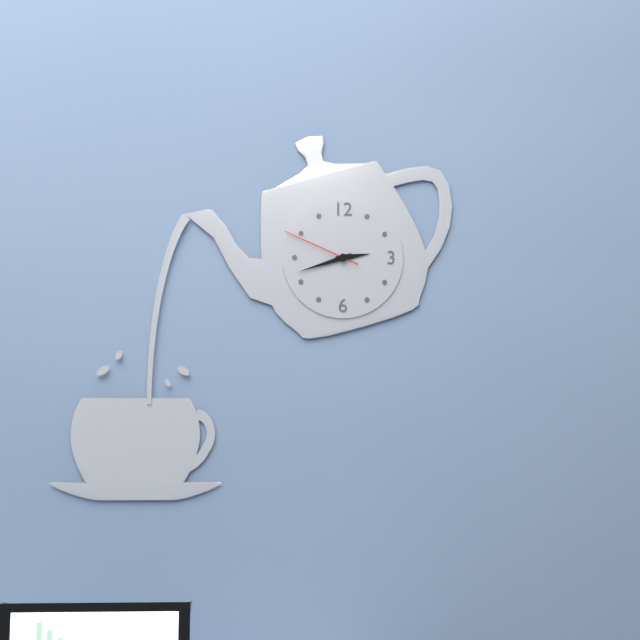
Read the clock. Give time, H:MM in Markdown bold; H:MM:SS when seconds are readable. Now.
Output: **2:42:49**
